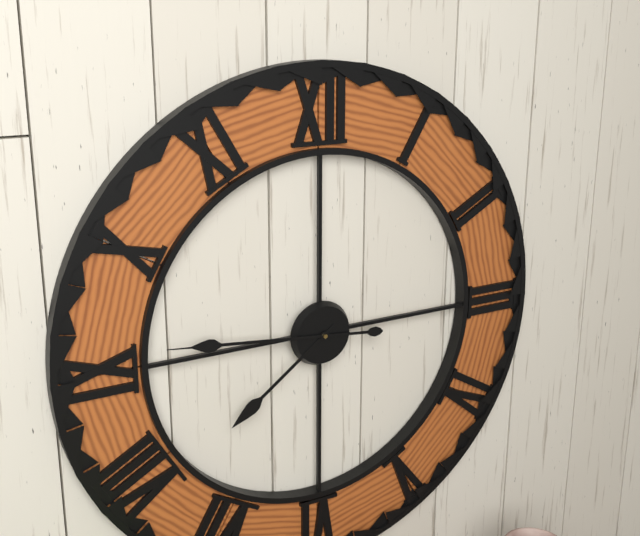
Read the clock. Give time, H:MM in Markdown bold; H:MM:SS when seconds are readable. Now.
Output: **7:46**
